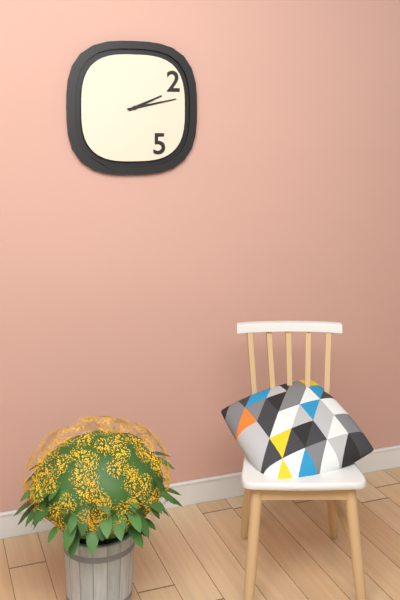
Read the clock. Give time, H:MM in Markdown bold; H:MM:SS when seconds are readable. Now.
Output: **2:13**
